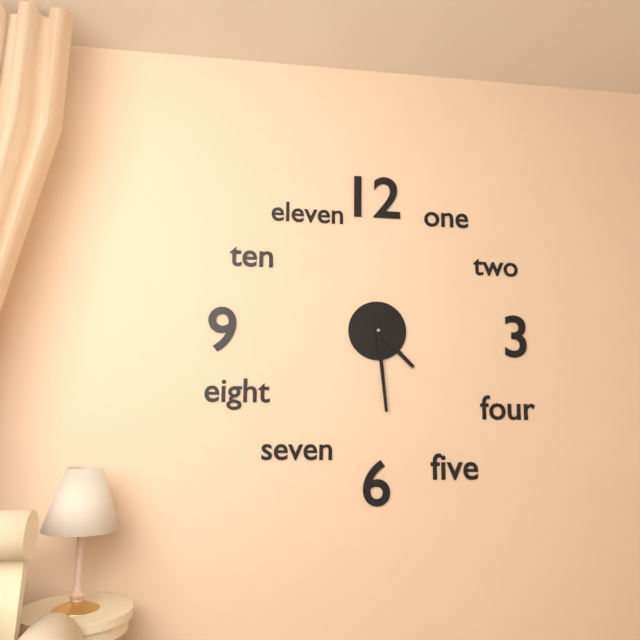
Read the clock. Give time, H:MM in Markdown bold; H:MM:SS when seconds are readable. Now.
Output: **4:29**
